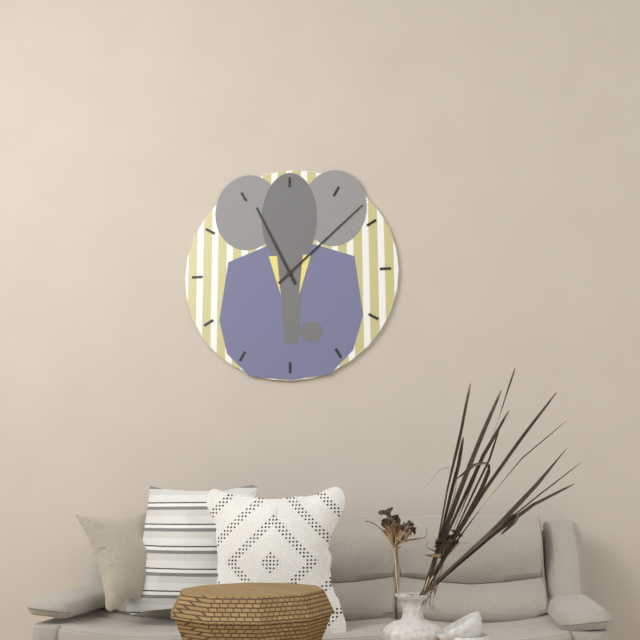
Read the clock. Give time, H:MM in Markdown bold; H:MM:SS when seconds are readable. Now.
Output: **11:08**
